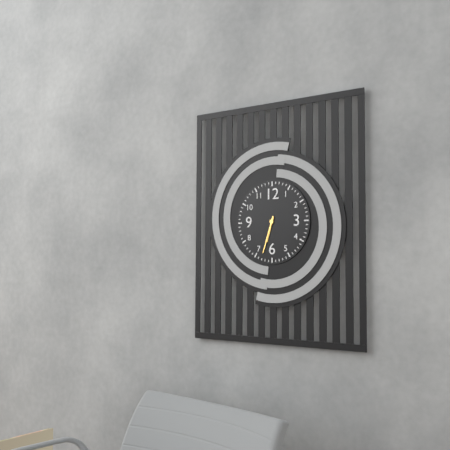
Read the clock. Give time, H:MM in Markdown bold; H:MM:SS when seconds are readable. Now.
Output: **6:33**
